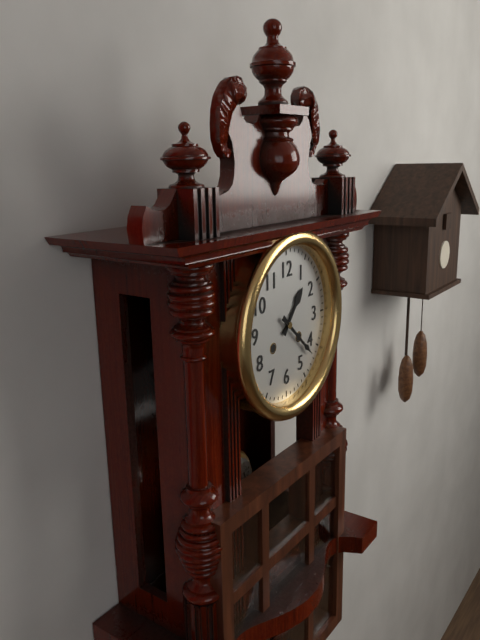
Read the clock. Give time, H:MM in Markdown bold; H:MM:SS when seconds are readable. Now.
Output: **1:22**
